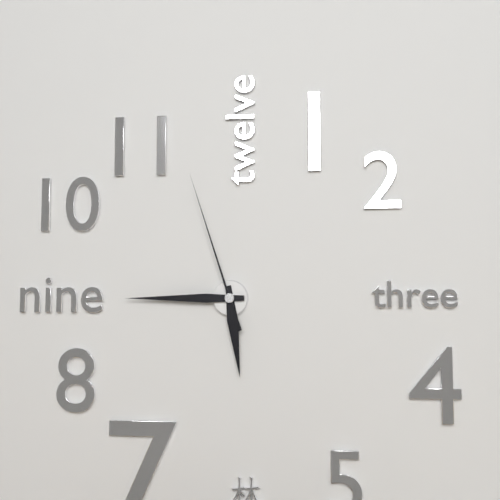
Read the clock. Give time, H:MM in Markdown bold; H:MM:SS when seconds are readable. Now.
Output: **5:45:57**
